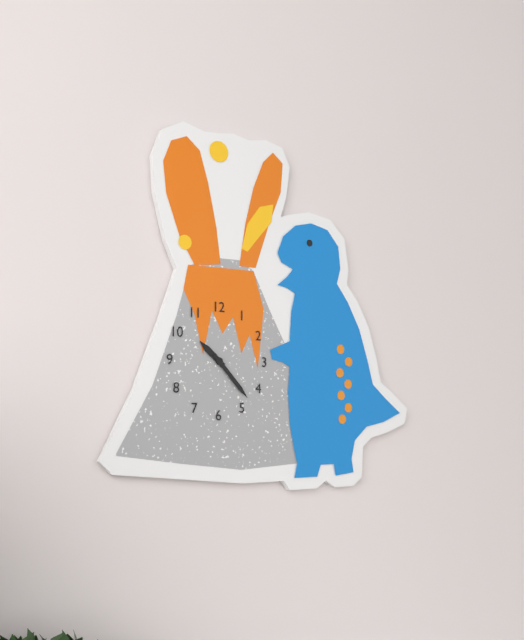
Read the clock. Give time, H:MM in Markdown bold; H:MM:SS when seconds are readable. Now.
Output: **10:23**
